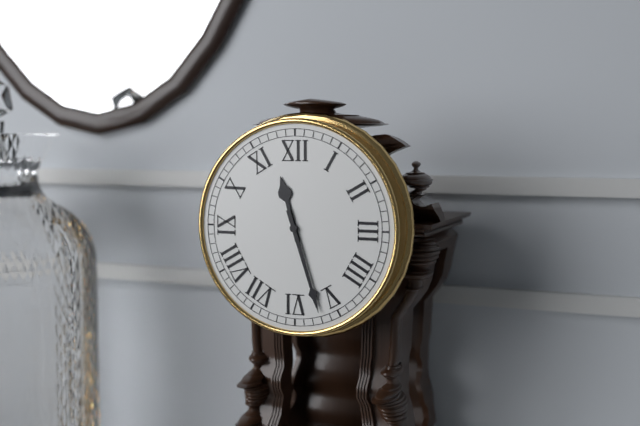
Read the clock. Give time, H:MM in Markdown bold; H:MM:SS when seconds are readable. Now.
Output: **11:27**
